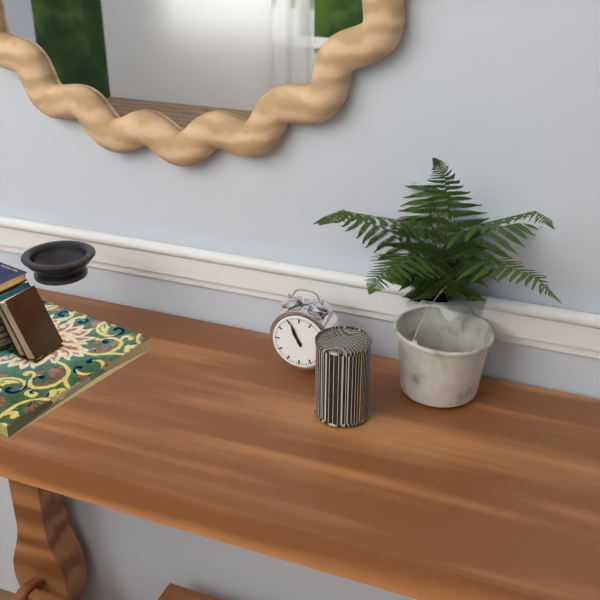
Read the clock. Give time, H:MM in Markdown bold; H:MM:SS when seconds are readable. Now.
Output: **10:56**
